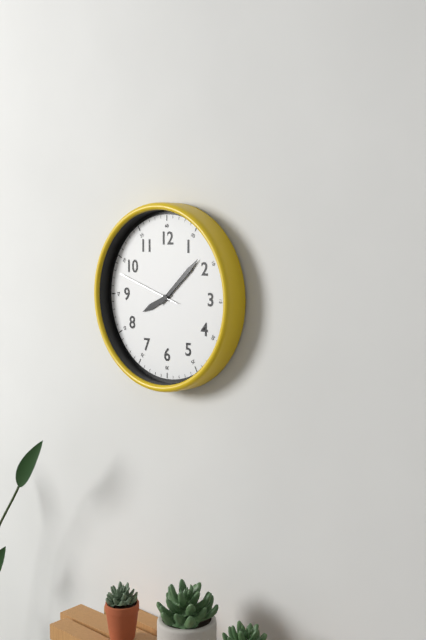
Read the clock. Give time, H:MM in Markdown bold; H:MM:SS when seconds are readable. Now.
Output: **8:08:48**
